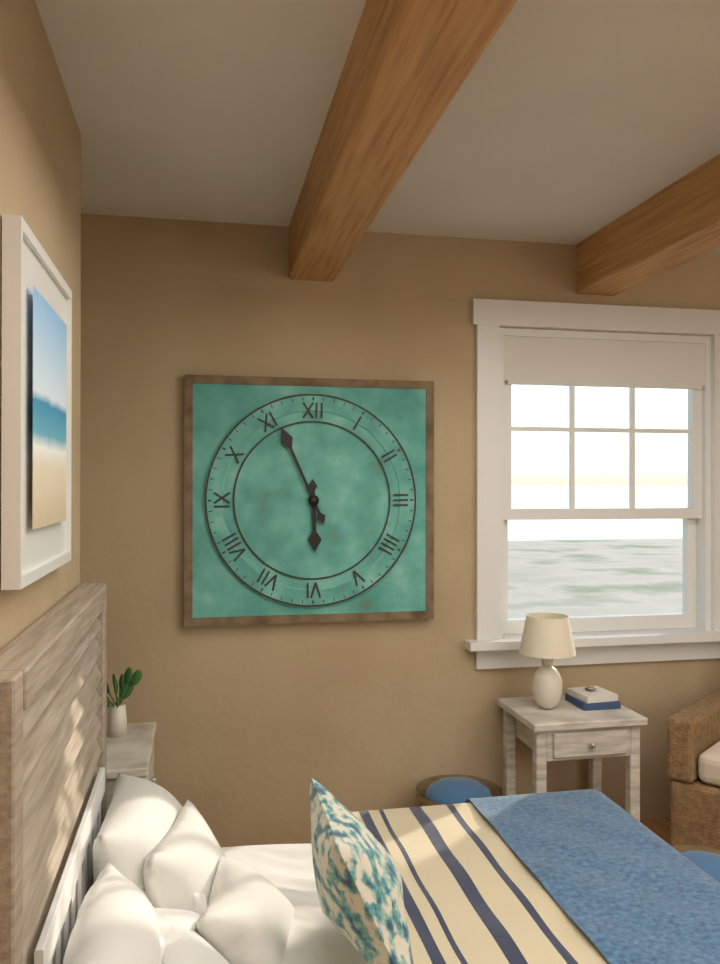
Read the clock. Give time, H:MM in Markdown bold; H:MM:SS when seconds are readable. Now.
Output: **5:56**
